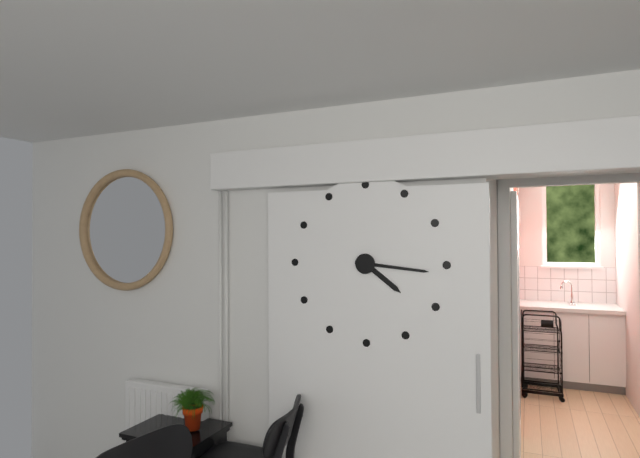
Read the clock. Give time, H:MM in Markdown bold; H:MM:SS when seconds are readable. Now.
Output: **4:16**
